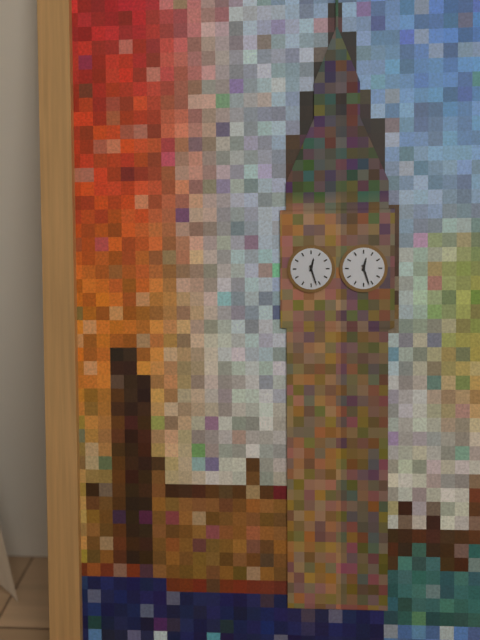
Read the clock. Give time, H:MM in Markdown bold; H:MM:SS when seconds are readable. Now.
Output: **12:27**
